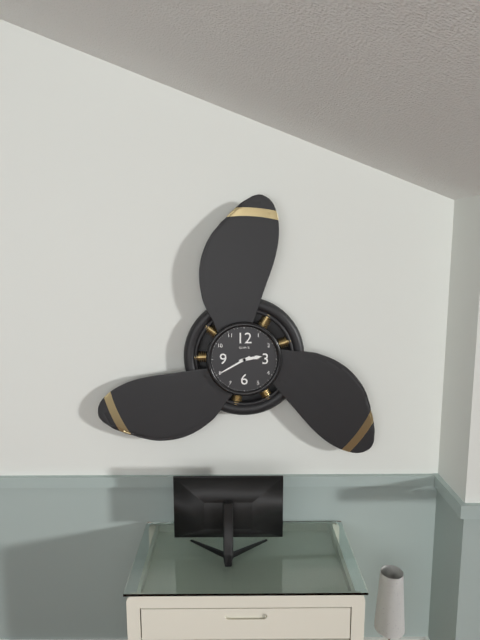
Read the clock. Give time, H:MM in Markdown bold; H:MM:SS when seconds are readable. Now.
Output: **2:40**
